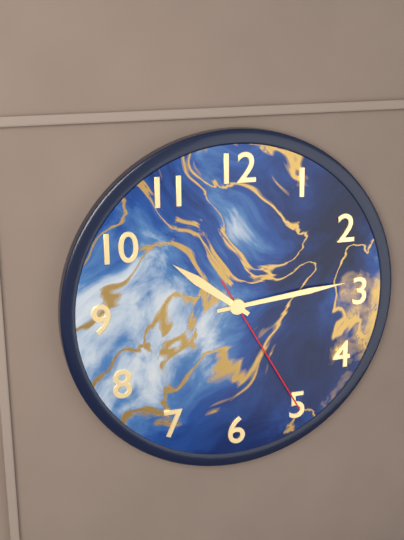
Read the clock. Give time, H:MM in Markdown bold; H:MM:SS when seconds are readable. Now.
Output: **10:14:25**
